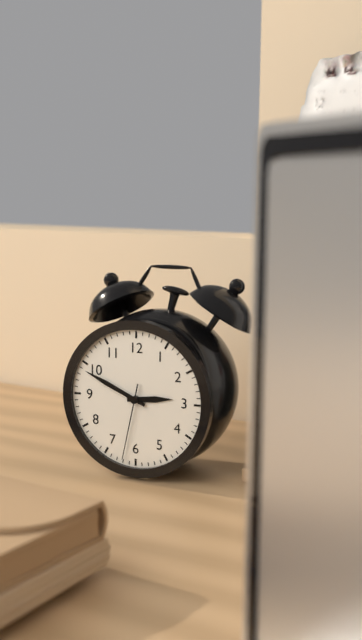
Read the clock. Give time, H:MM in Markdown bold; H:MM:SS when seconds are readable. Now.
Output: **2:49:32**
